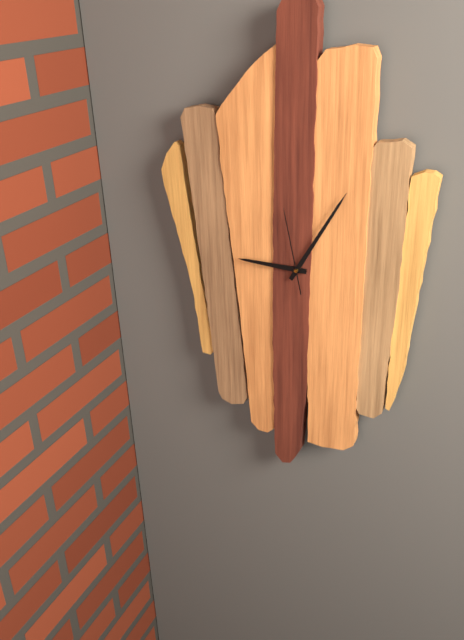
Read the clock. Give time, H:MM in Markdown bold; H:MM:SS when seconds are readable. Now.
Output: **9:05:58**
